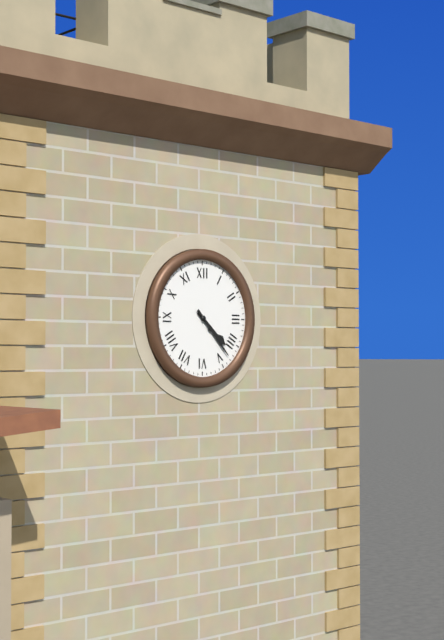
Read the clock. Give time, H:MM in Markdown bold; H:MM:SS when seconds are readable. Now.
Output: **4:23**
